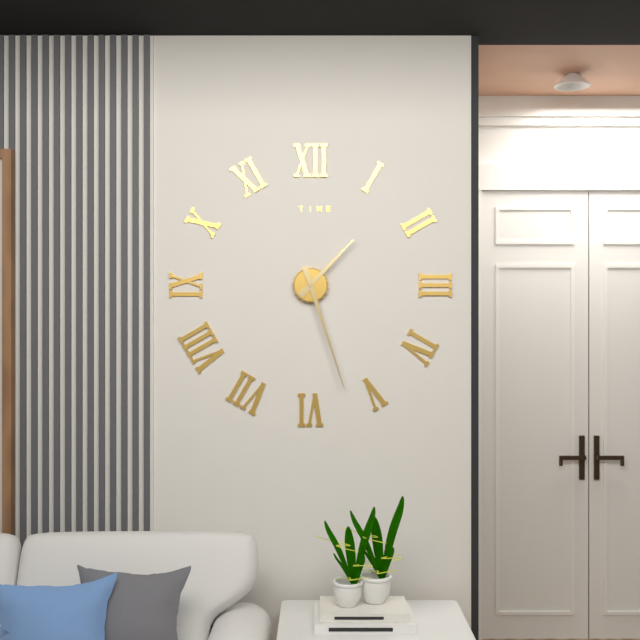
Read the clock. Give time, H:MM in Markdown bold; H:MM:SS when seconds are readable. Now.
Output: **1:27**
